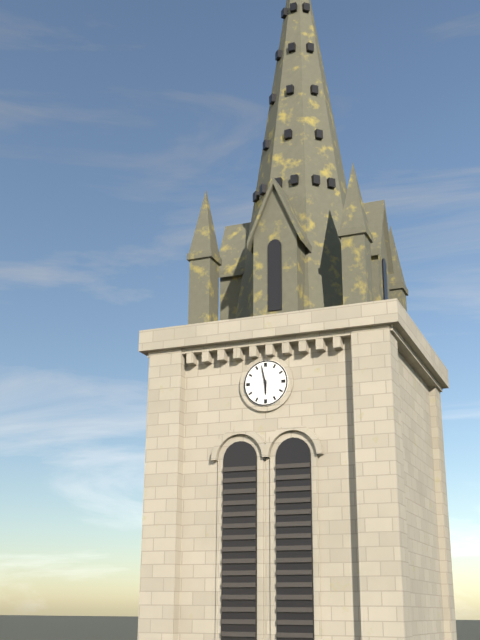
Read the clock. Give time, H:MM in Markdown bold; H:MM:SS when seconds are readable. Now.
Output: **5:58**
